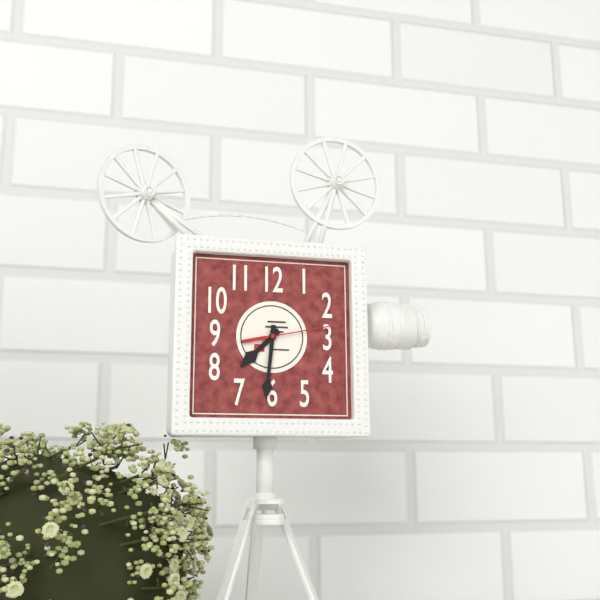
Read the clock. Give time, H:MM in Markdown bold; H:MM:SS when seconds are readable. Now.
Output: **7:31:13**
